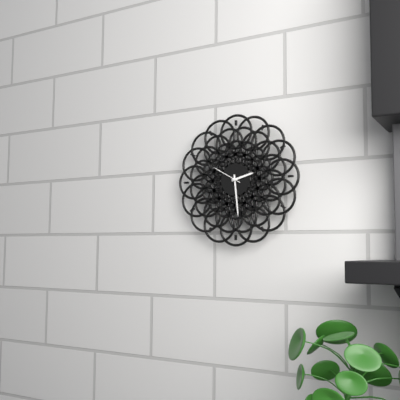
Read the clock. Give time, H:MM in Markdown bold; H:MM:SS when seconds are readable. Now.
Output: **2:29**
